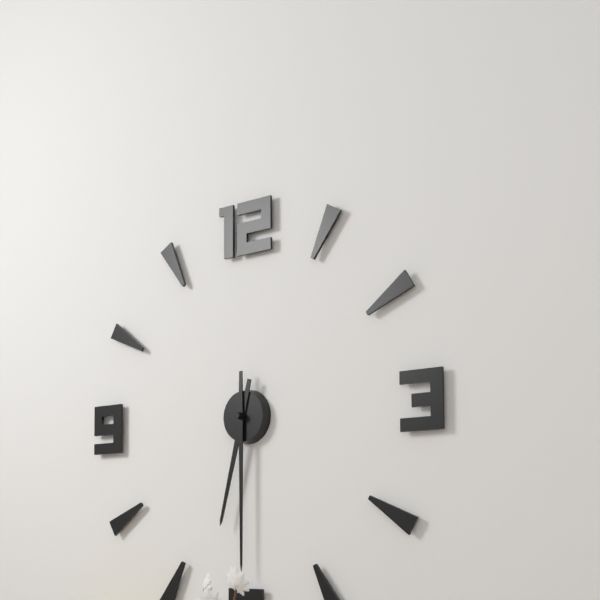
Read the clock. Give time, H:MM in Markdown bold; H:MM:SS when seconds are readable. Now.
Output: **6:30**
